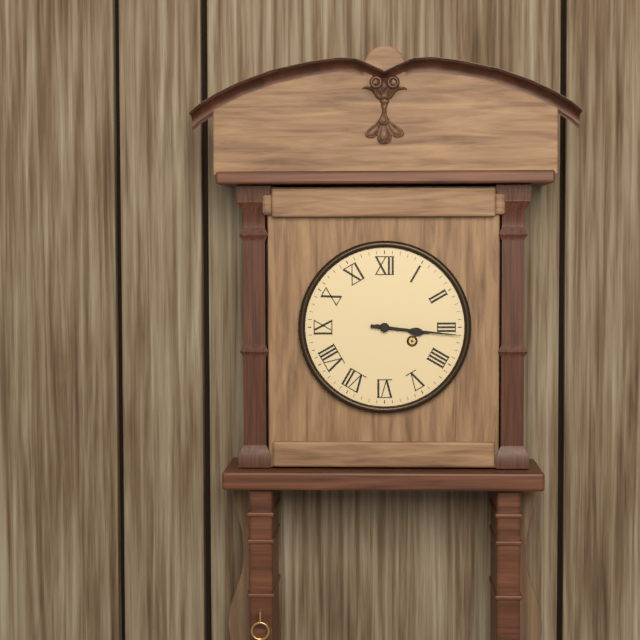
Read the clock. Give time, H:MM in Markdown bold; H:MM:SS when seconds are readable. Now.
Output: **3:16**
